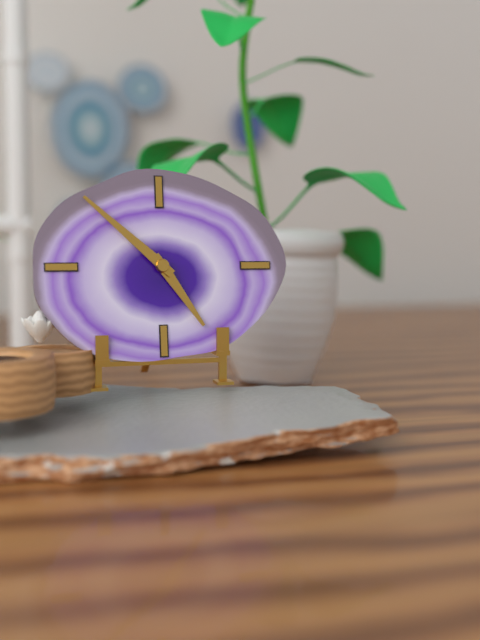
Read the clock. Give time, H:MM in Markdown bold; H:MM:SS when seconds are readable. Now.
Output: **4:52**
